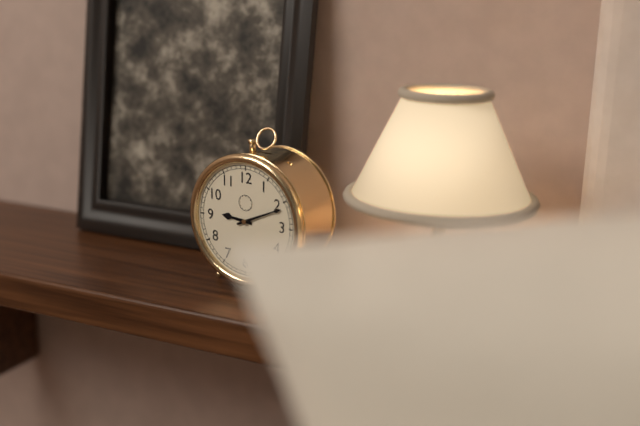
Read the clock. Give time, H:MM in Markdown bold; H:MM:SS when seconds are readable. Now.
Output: **9:11**
